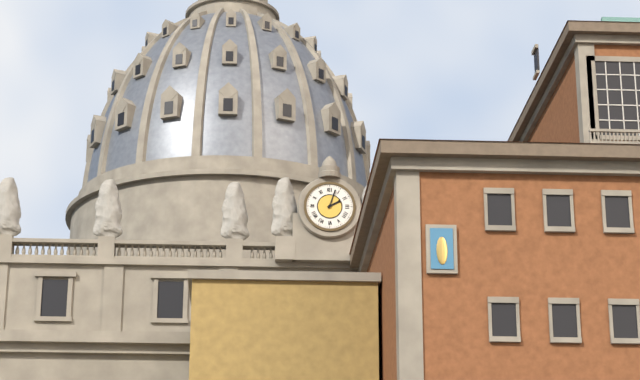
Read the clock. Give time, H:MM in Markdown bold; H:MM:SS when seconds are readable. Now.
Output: **2:03**
